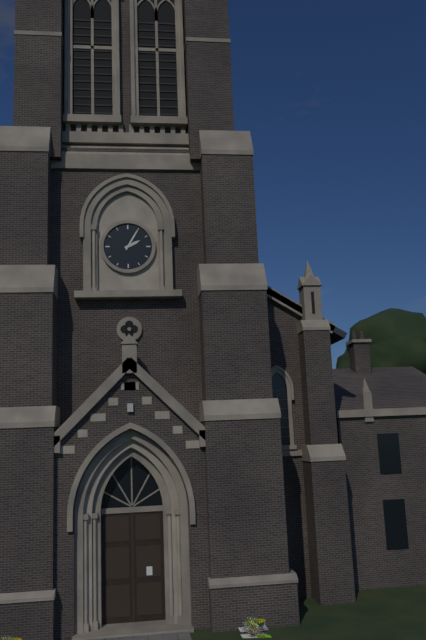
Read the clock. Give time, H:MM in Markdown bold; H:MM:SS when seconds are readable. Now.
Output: **2:05**
